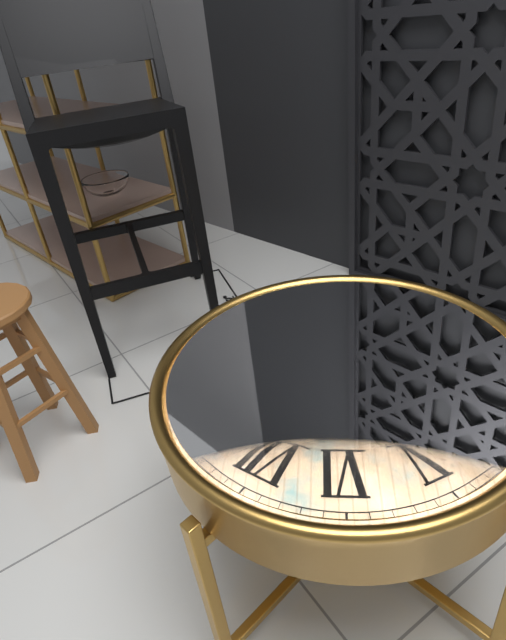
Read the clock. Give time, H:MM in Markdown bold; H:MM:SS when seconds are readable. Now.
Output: **3:51**
